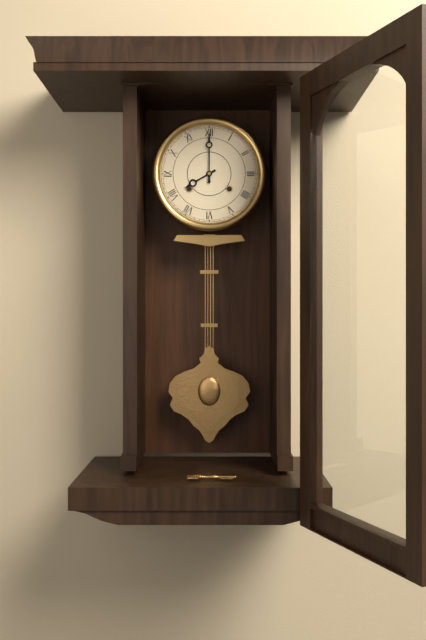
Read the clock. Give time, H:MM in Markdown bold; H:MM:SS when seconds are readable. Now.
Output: **8:00**
